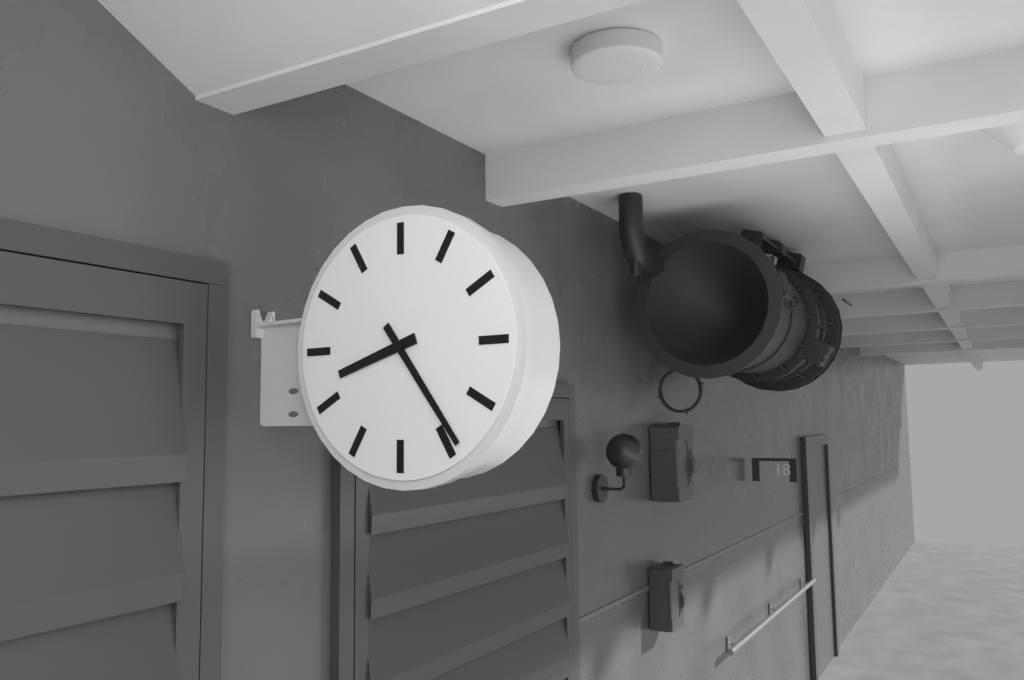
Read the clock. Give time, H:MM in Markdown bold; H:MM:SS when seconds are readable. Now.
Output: **8:24**
